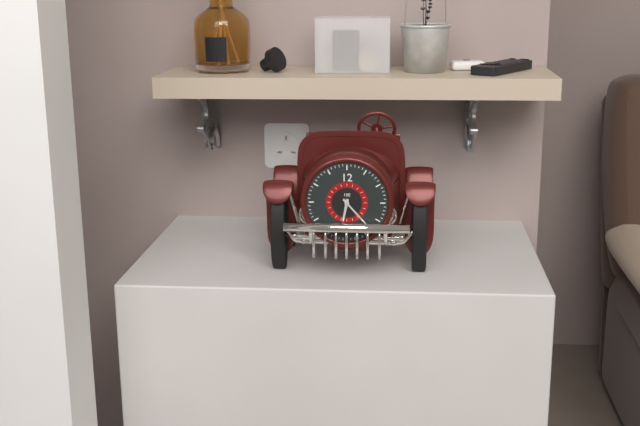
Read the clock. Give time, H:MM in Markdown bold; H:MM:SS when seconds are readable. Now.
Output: **6:23**
